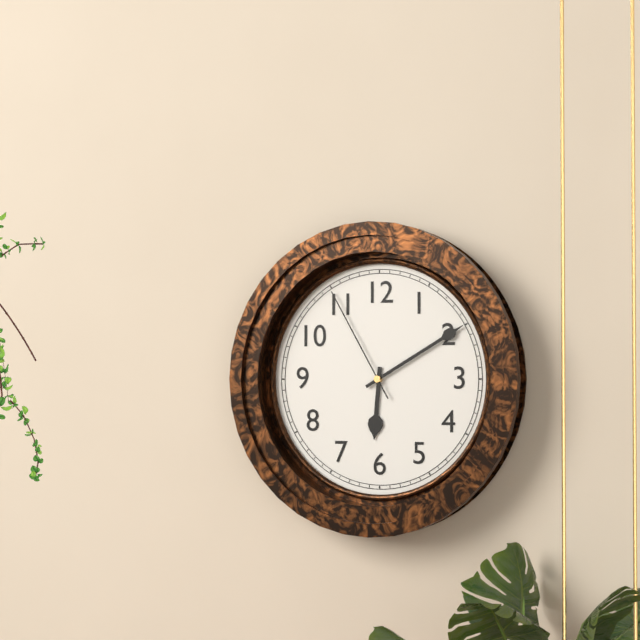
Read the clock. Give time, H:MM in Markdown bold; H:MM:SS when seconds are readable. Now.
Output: **6:10:55**
